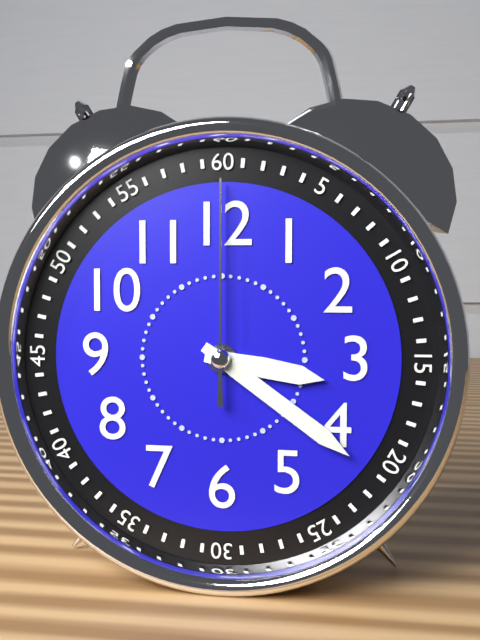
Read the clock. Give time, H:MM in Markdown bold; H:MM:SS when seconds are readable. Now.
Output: **3:21:00**
